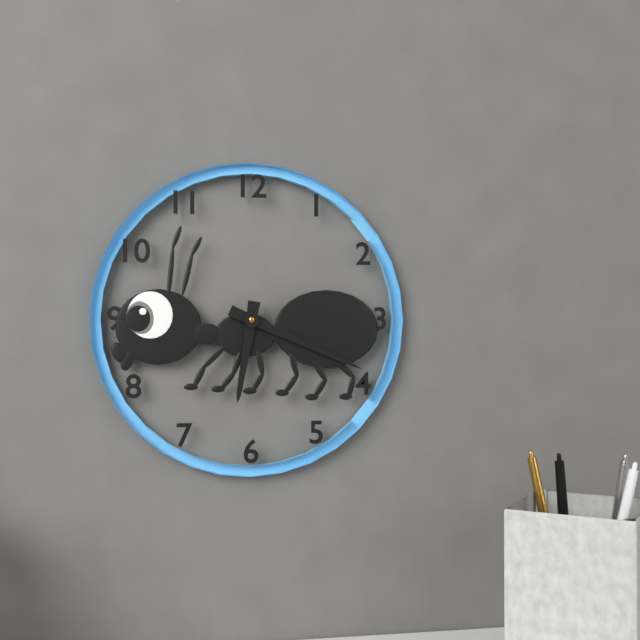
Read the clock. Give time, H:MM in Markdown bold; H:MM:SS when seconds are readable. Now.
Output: **6:19**
